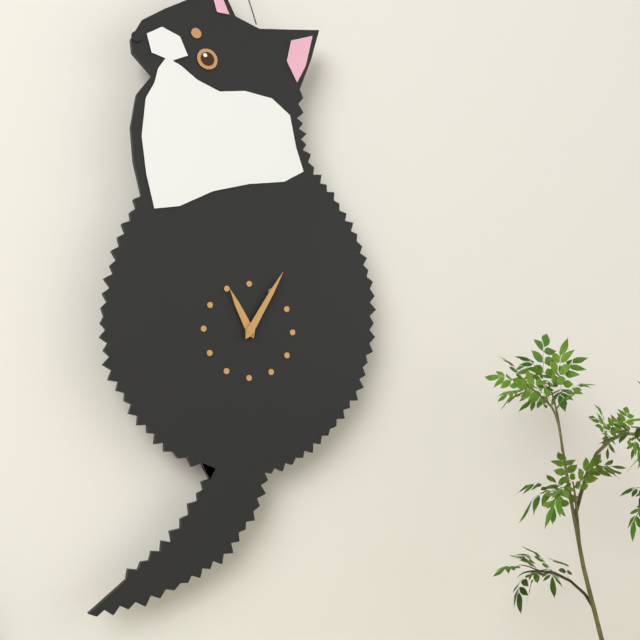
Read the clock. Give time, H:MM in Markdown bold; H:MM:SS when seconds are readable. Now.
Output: **11:05**
